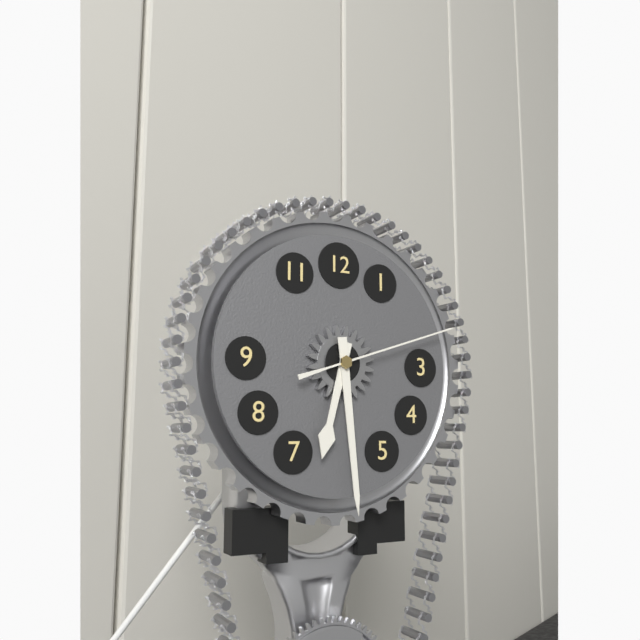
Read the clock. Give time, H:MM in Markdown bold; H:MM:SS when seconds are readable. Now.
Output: **6:29:12**
